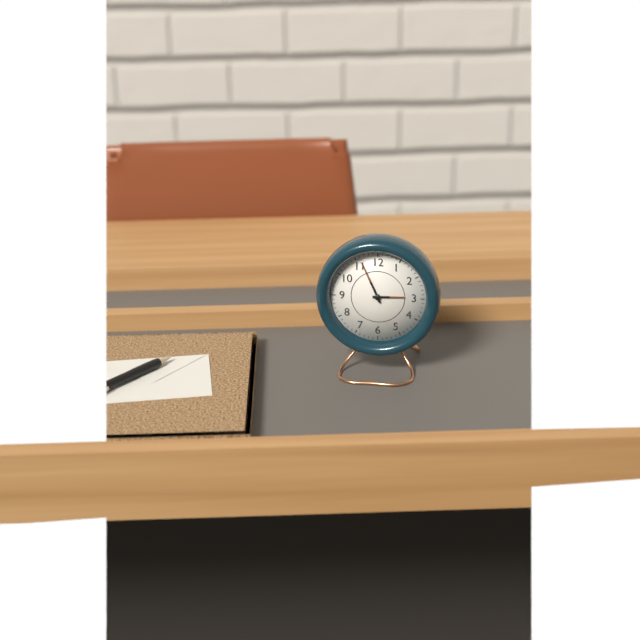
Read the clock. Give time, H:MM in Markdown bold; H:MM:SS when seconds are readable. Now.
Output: **2:56**
